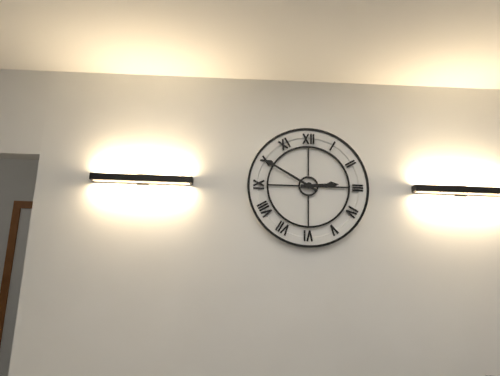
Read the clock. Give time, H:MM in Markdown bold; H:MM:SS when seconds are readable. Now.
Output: **2:50**
